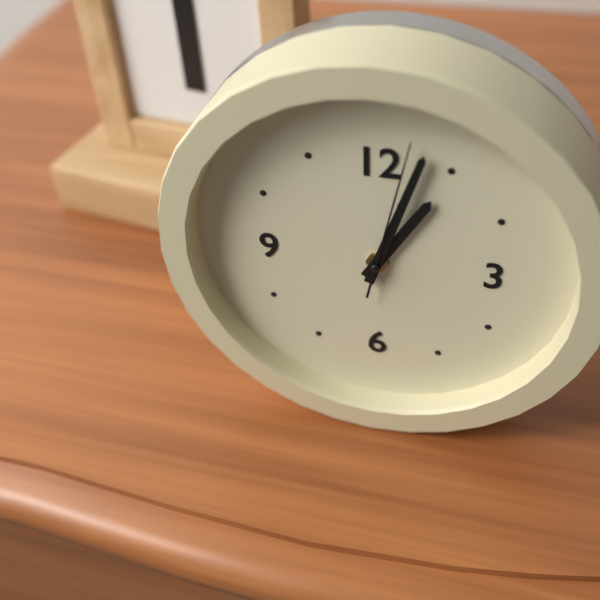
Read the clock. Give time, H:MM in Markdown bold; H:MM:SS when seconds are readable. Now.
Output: **1:03:02**
